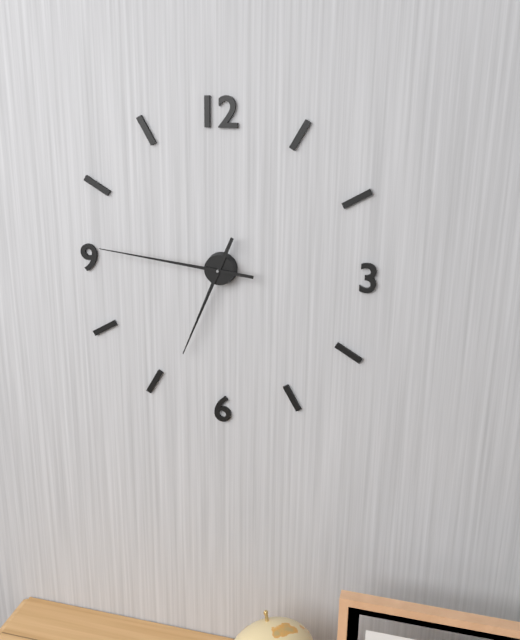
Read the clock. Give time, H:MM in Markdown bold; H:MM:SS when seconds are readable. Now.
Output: **6:46**
